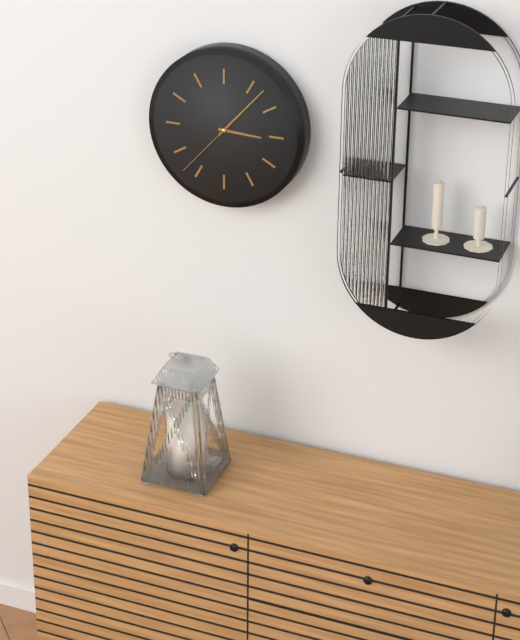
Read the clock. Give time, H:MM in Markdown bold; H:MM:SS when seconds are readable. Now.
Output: **3:07:37**
